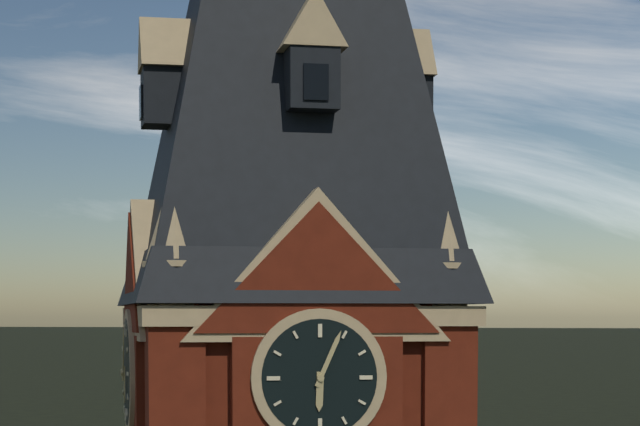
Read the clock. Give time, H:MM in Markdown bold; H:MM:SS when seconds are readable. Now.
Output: **6:04**
